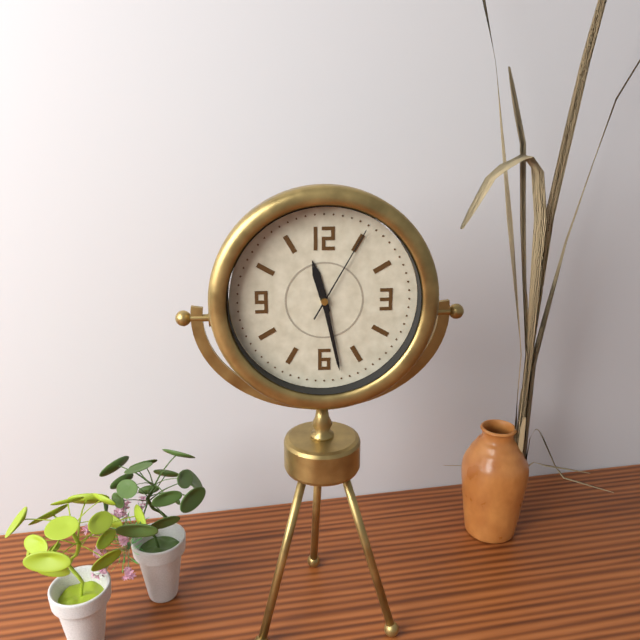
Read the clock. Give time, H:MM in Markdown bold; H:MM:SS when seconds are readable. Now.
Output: **11:28:05**
